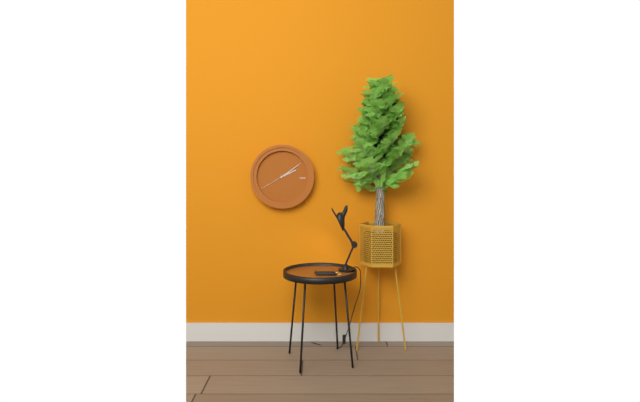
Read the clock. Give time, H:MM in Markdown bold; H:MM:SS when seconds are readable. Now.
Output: **2:09**
